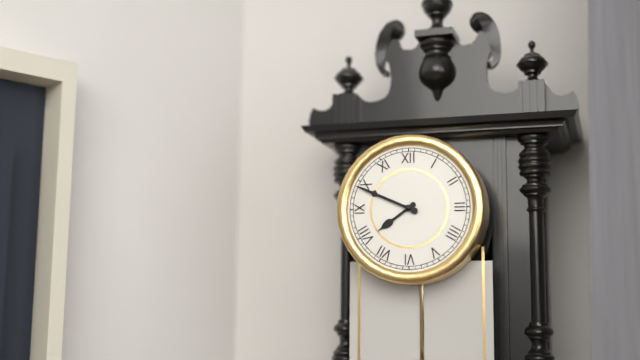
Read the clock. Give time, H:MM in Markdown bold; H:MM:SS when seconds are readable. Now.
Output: **7:49**
